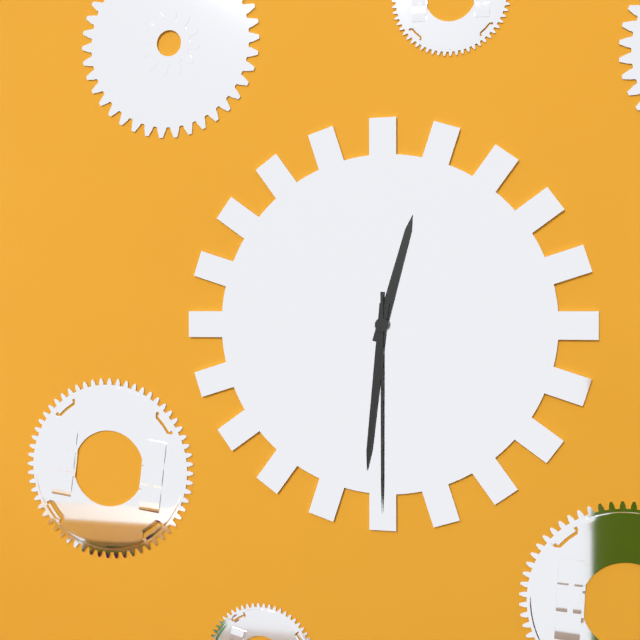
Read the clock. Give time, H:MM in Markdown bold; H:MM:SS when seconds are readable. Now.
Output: **12:31:30**
